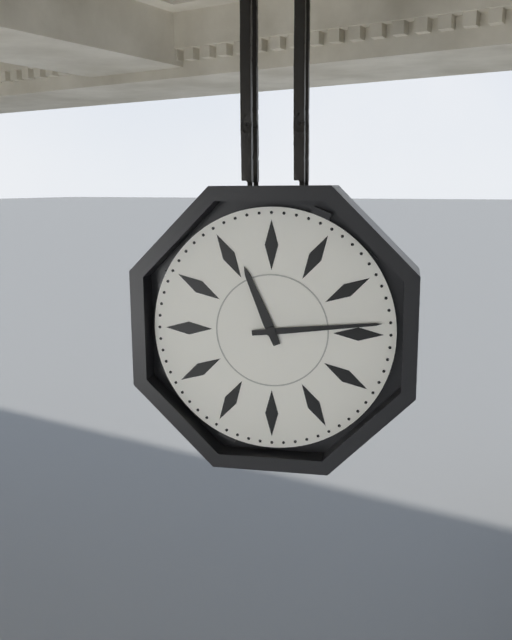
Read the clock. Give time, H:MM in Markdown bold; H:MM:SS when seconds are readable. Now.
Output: **11:14**
